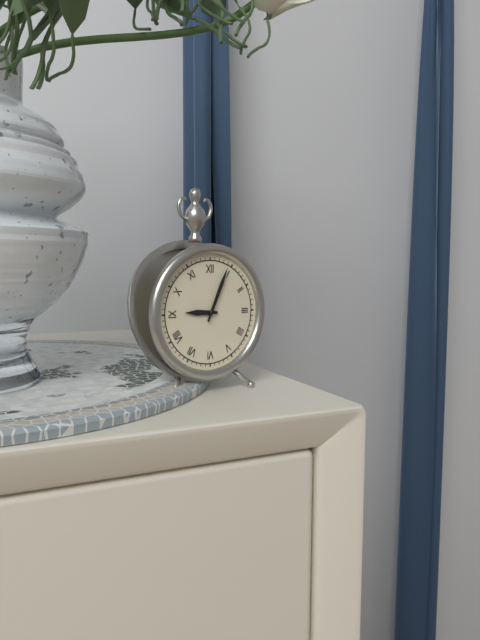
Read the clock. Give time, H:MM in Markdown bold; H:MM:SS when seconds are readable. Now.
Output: **9:04**
